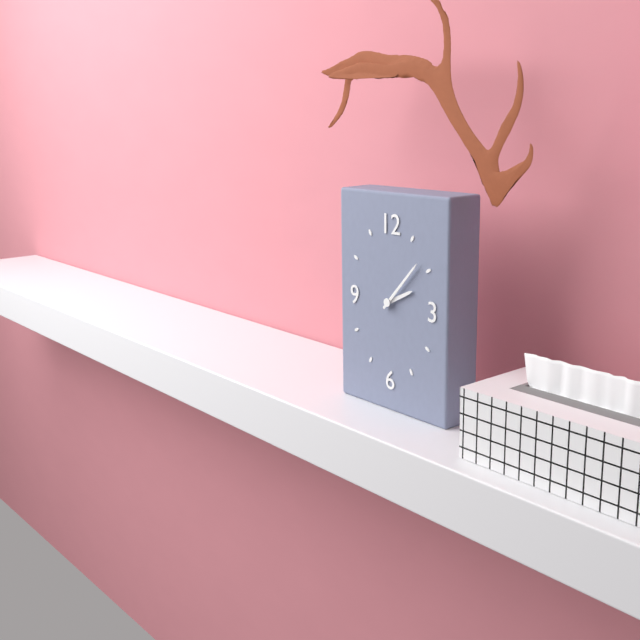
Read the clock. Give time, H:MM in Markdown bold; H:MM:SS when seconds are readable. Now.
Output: **2:07**
